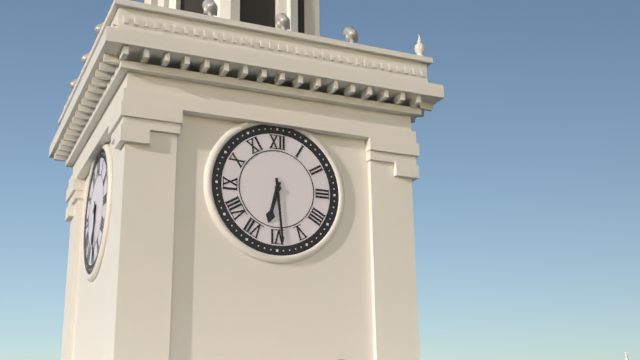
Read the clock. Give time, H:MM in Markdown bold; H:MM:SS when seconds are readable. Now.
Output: **6:29**
